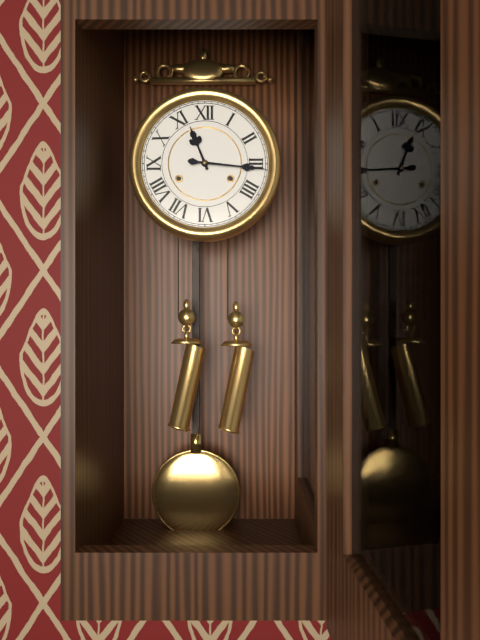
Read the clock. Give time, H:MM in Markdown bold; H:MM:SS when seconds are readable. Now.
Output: **11:16**
